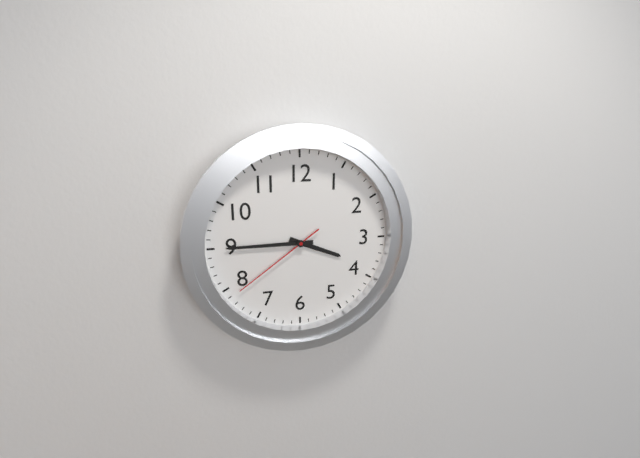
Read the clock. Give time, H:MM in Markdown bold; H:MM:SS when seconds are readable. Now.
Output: **3:45:39**
